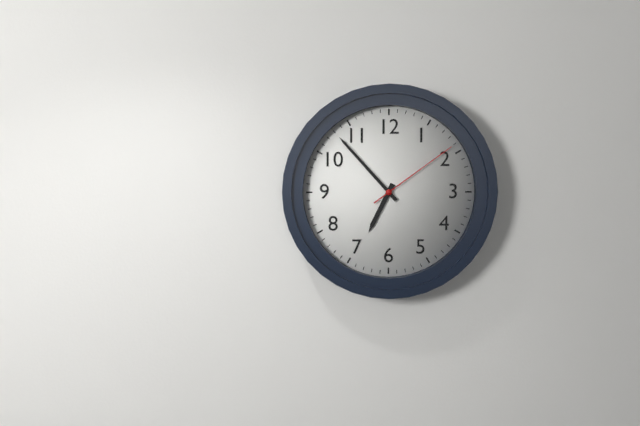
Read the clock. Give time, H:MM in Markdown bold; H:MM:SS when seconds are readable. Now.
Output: **6:53:09**
